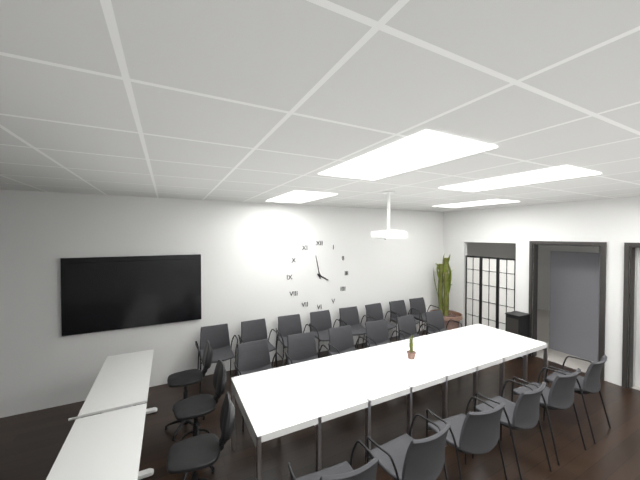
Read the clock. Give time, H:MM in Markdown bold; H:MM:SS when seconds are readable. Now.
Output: **3:58**
